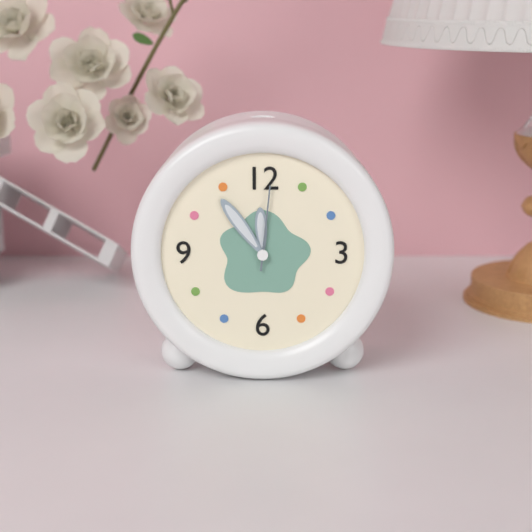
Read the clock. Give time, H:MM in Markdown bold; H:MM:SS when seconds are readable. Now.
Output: **11:54:01**
